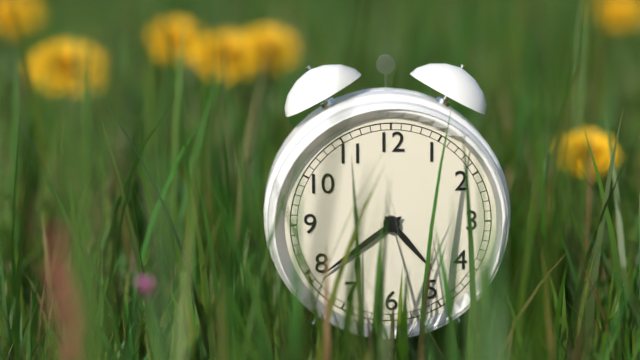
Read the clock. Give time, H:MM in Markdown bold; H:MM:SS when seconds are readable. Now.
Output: **4:39**
